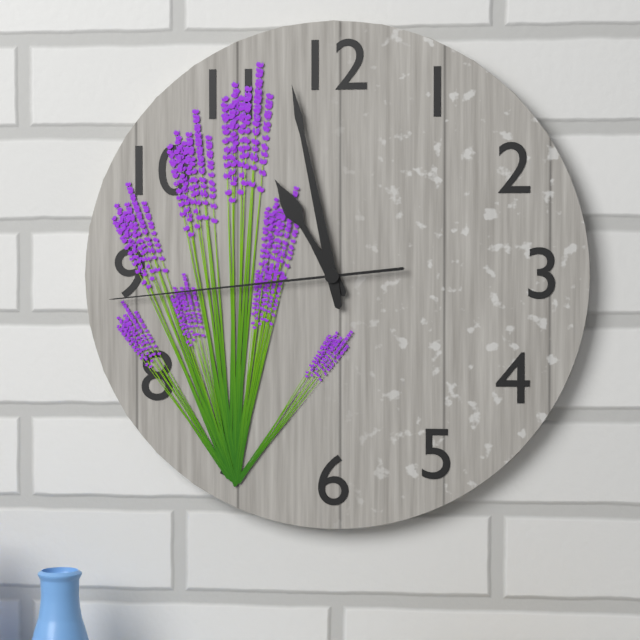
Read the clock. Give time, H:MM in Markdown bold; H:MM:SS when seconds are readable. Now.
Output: **10:58:44**
